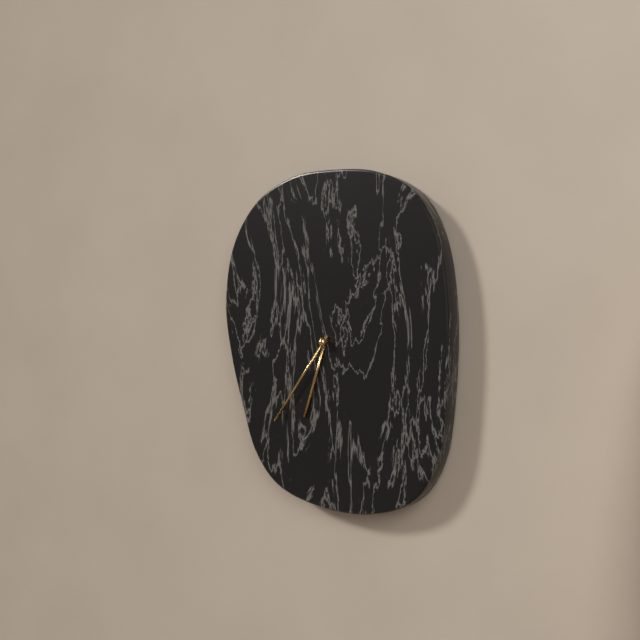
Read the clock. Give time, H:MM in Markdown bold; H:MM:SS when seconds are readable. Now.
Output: **6:36**
